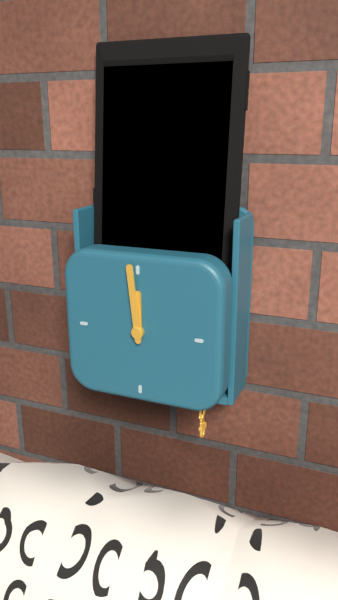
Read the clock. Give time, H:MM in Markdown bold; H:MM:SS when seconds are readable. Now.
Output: **11:59**
